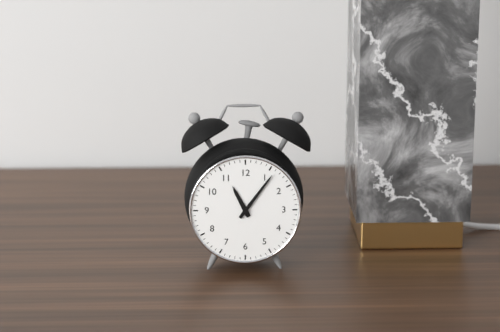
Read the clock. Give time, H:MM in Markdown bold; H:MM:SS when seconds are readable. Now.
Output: **11:06**
